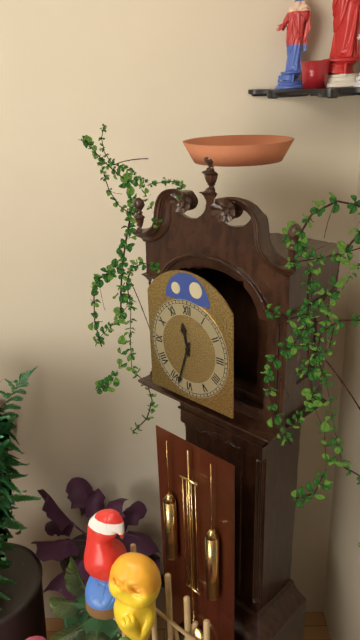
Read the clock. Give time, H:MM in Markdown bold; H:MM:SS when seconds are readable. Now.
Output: **11:33**
